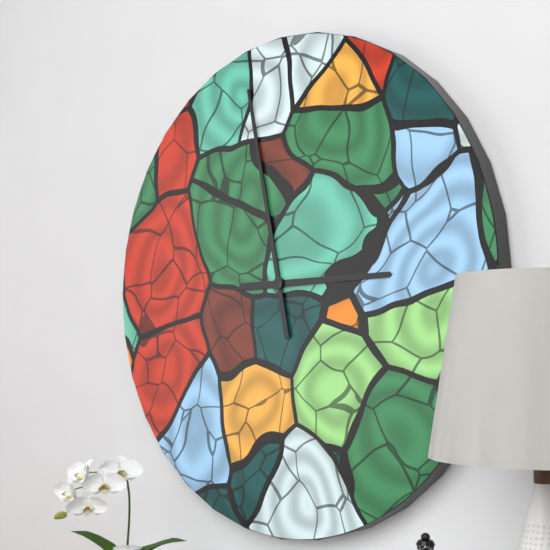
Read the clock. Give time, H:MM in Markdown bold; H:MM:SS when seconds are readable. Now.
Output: **2:58**
